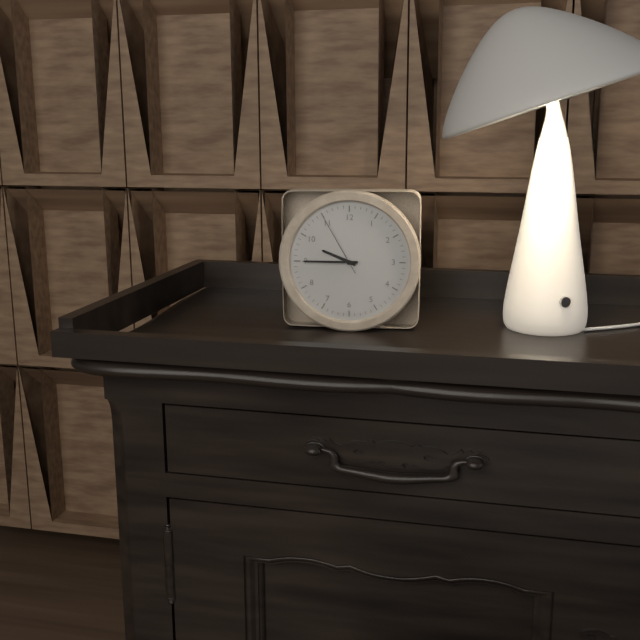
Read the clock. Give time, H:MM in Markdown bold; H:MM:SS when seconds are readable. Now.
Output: **9:45:55**
